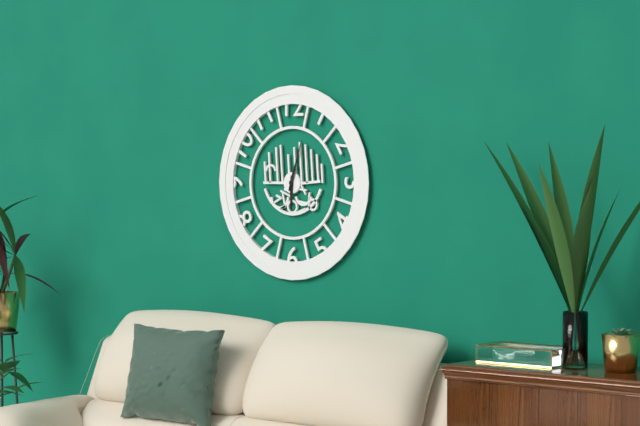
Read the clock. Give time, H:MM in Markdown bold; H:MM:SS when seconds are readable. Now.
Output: **6:03**
